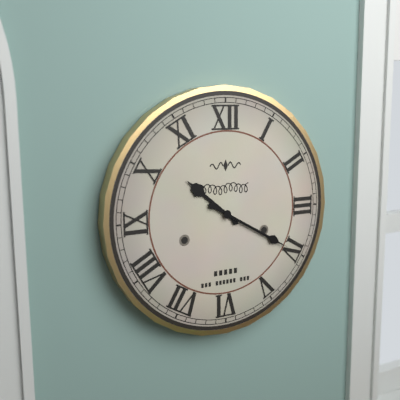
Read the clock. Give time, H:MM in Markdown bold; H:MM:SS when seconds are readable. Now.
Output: **10:20**
